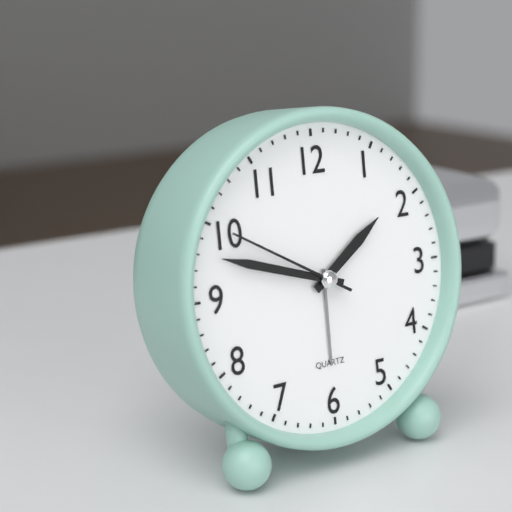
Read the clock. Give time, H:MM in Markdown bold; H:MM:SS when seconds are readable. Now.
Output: **1:48:50**
